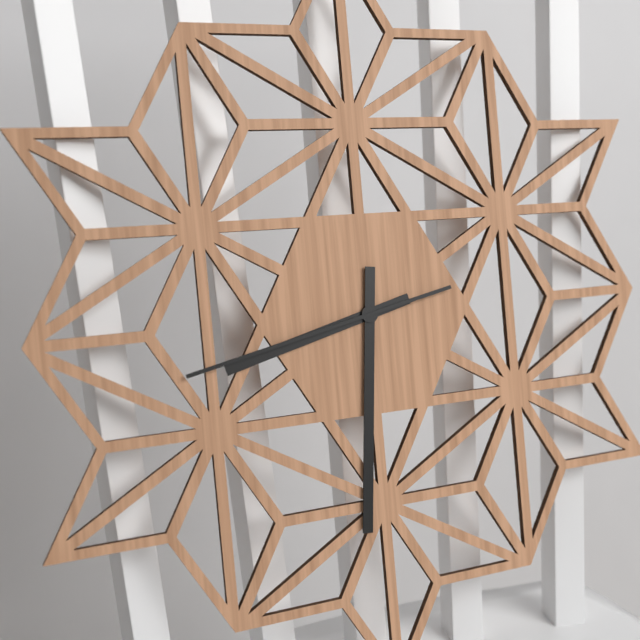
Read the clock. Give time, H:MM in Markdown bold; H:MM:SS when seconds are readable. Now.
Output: **8:31:43**
